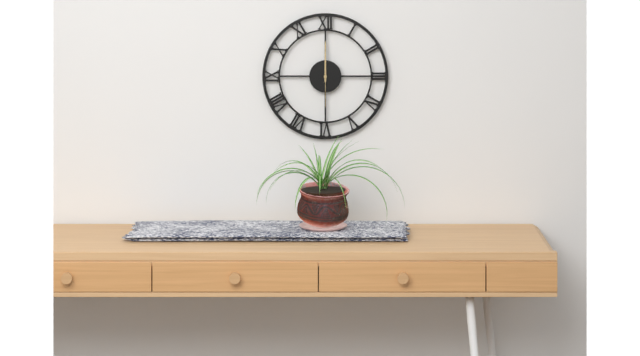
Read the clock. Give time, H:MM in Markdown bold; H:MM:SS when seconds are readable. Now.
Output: **12:00**
